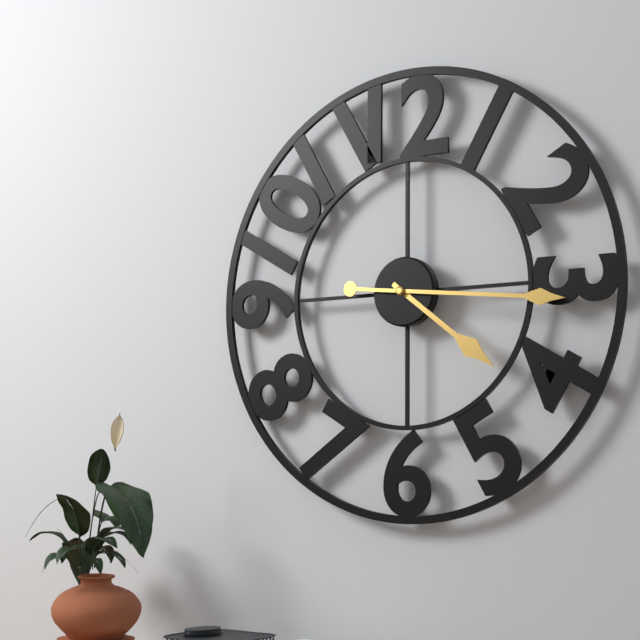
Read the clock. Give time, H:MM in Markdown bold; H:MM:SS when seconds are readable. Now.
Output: **4:16**
